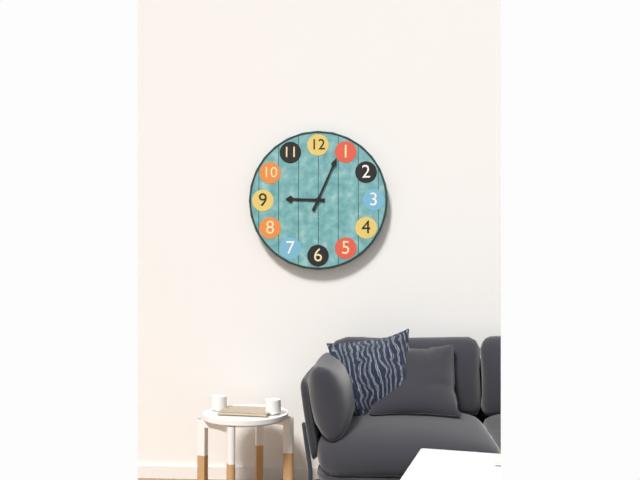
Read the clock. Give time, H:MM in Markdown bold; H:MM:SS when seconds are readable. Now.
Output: **9:04**
